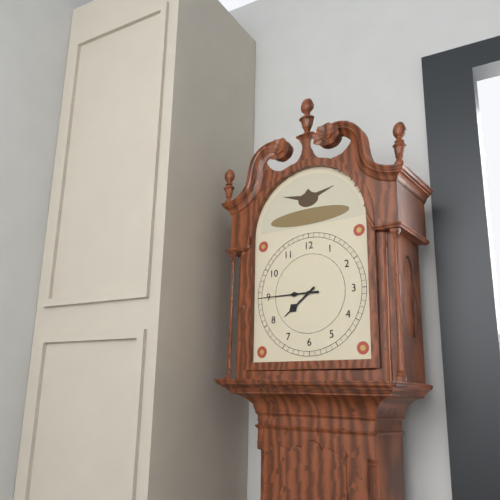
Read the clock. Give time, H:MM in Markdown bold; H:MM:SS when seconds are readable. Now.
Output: **7:45**
